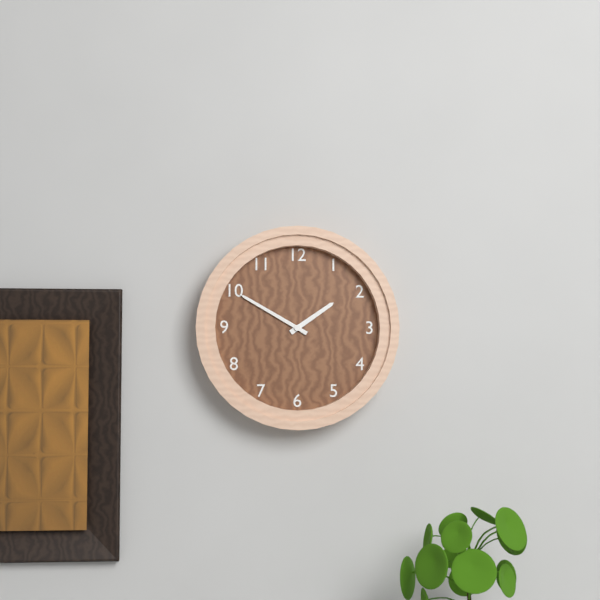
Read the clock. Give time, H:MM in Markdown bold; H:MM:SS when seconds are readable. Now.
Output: **1:50**
